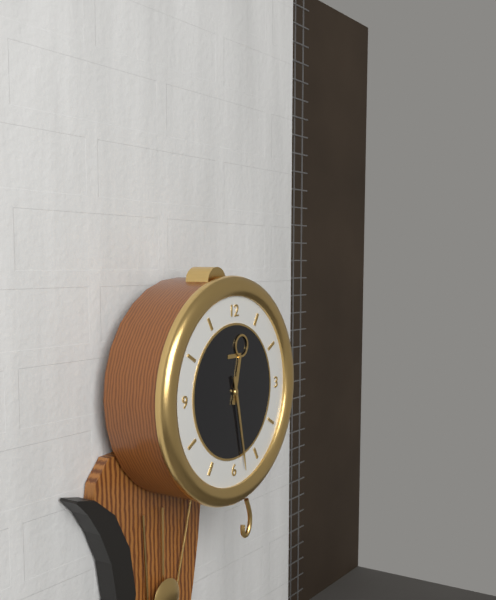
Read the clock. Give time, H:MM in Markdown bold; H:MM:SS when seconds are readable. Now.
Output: **12:28**
